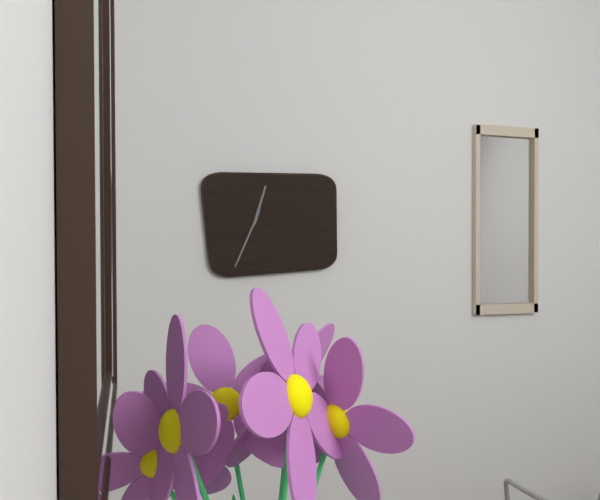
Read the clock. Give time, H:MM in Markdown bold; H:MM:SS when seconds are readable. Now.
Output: **12:34**
